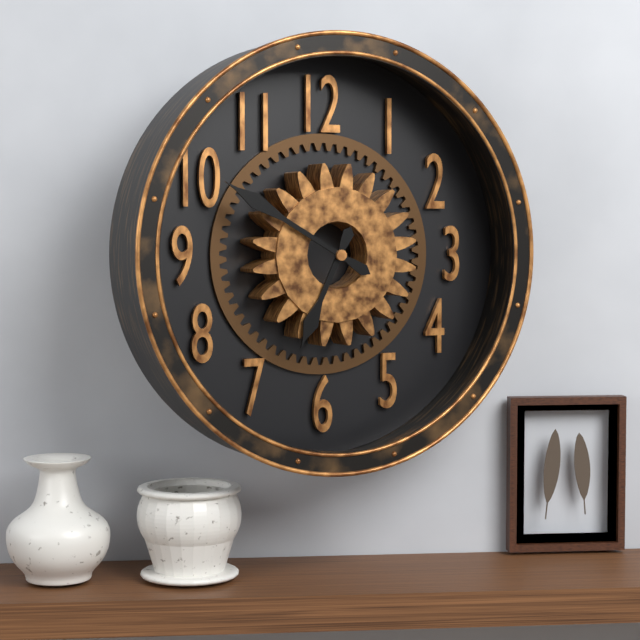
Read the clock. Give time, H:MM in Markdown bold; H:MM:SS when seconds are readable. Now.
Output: **6:50**
